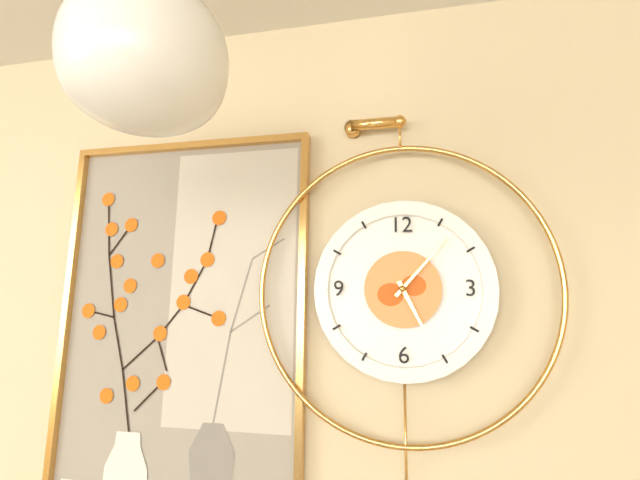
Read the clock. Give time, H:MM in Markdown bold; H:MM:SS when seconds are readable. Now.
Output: **5:07**
